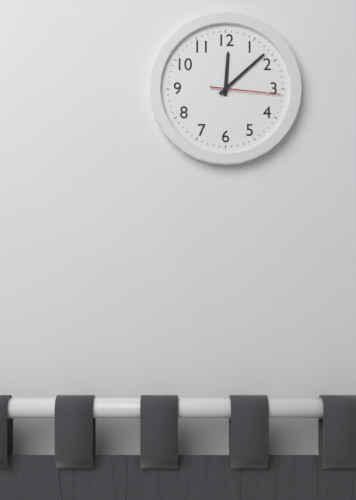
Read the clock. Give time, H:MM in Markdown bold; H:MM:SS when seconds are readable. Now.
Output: **12:08:16**
